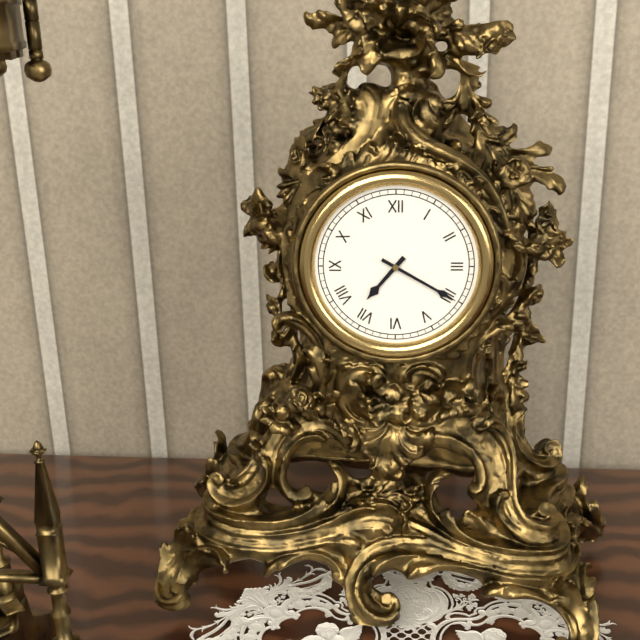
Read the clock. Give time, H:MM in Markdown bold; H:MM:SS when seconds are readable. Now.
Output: **7:20**
